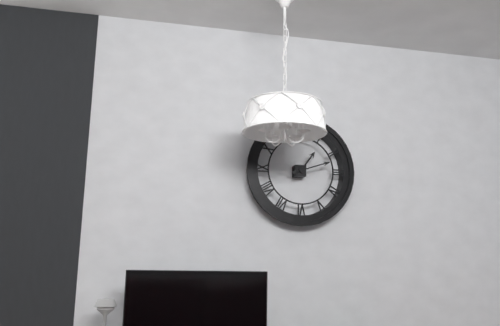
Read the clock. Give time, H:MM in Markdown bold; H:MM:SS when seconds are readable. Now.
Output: **1:12**
